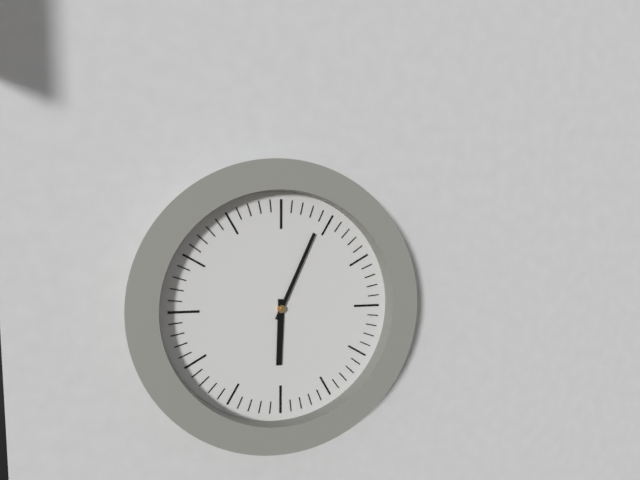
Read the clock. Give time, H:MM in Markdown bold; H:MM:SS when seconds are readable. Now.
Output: **6:04**
